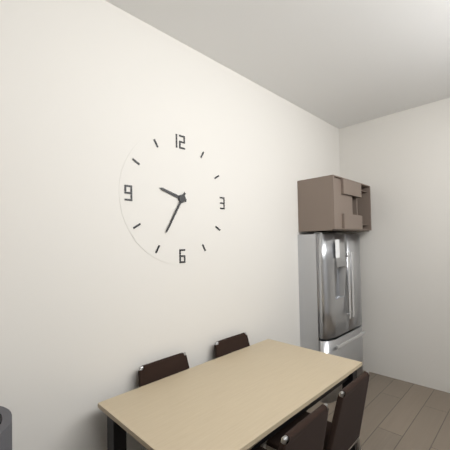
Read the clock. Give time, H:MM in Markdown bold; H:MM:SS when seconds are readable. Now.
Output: **9:35**
